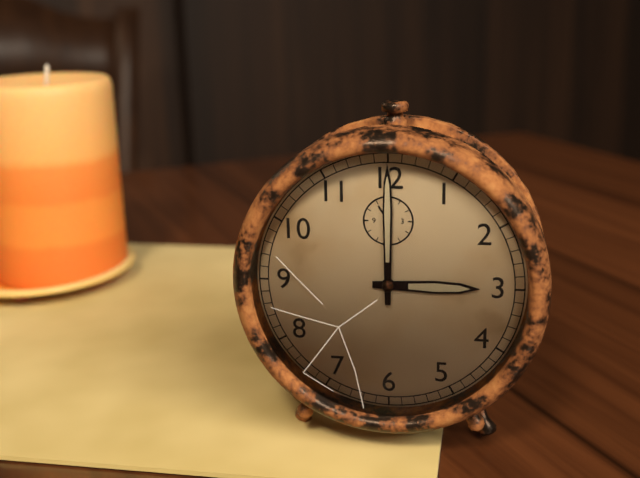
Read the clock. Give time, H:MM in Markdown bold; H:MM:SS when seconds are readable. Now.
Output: **3:00**
